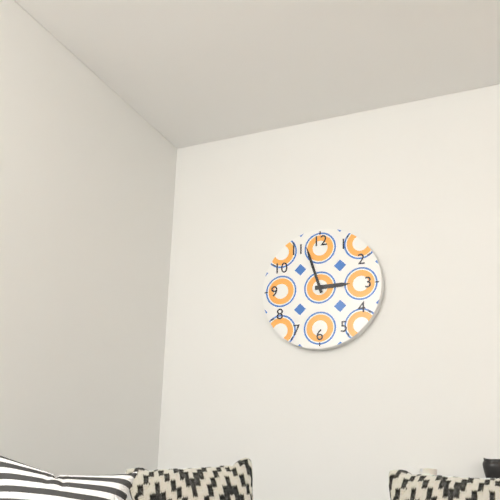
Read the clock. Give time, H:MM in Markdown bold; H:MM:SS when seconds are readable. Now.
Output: **2:57**
